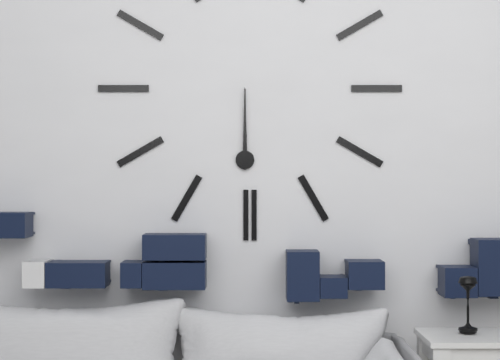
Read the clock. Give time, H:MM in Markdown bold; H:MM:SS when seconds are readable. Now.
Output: **12:00**
